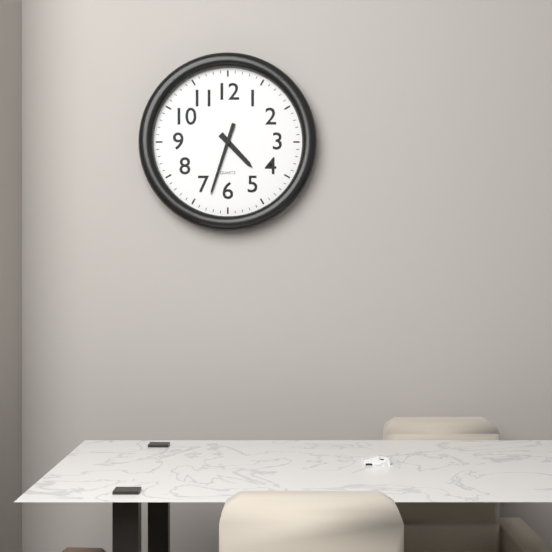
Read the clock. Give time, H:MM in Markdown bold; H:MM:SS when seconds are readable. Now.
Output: **4:33**
